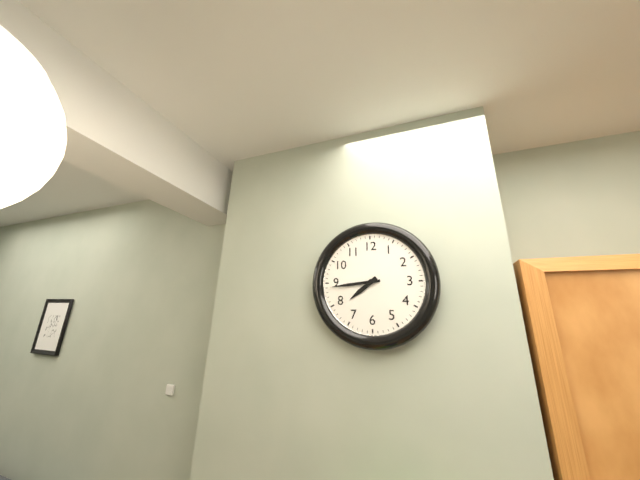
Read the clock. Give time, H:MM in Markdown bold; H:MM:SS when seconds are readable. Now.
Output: **7:44**
